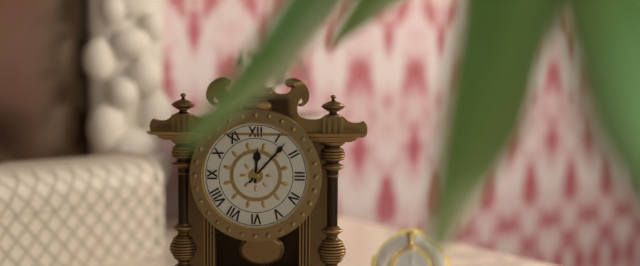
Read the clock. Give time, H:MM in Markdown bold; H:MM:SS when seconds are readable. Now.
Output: **12:07**
